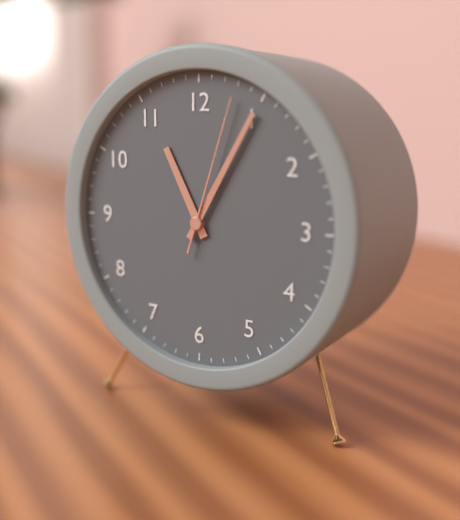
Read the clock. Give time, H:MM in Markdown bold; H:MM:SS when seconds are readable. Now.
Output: **11:05:03**
